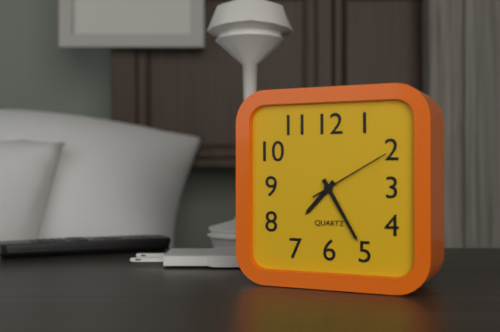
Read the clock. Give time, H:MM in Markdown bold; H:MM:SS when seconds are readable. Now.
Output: **7:25:10**
